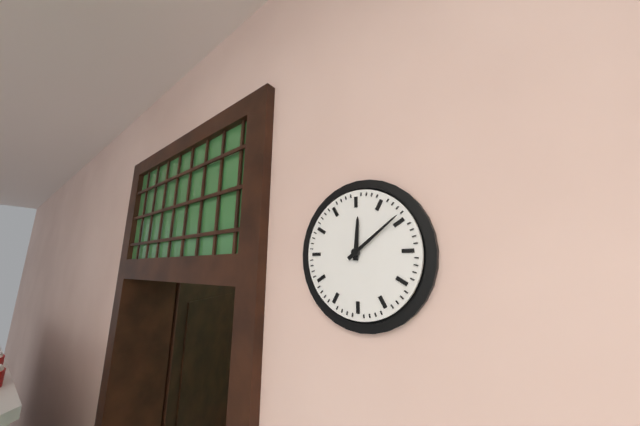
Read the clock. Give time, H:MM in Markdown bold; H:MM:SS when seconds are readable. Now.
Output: **12:09**
